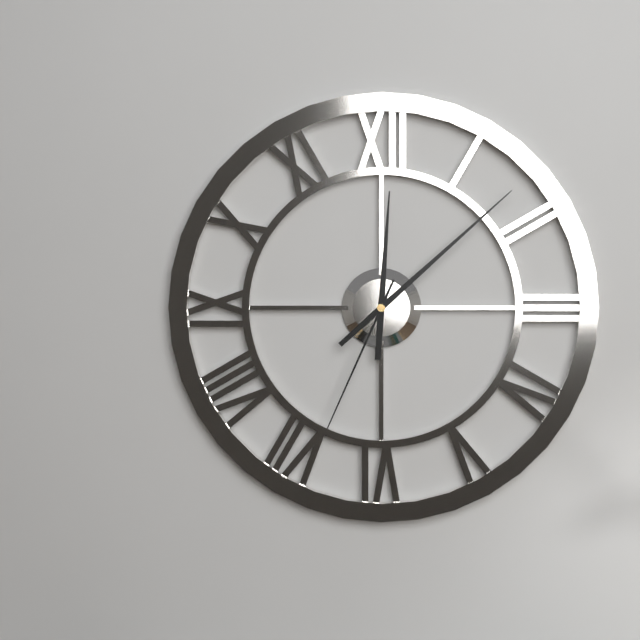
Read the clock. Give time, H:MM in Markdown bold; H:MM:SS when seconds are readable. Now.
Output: **12:08:34**
